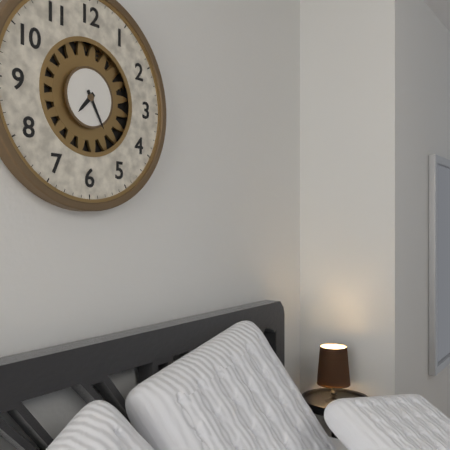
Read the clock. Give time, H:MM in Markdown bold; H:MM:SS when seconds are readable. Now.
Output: **7:25**
